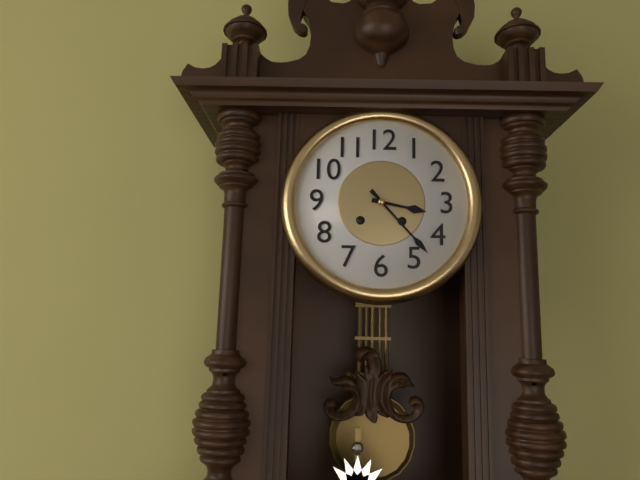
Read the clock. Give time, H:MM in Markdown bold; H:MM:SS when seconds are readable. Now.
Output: **3:23**
